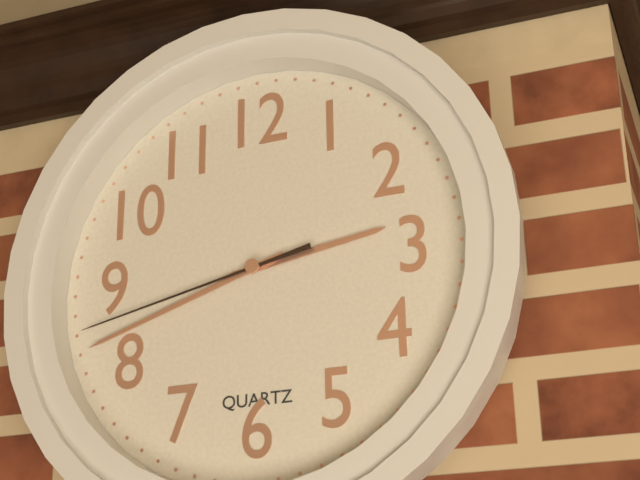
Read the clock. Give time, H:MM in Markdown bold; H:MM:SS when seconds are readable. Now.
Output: **2:42:43**
